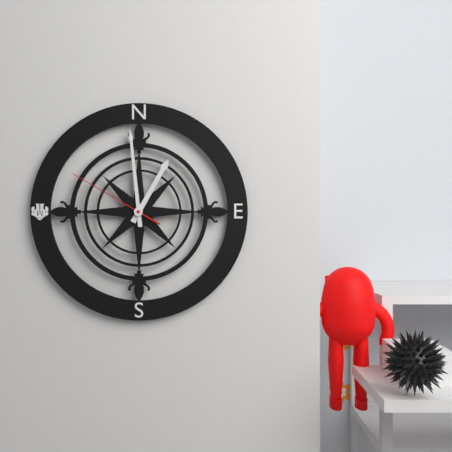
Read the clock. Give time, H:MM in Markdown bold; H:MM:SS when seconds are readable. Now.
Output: **12:59:50**
